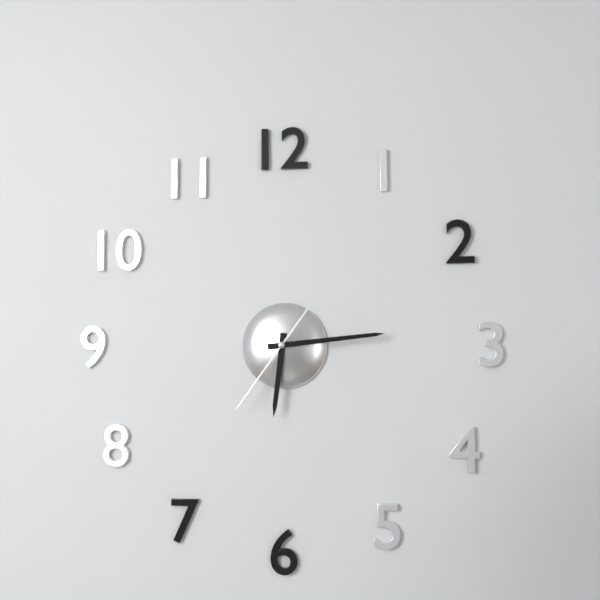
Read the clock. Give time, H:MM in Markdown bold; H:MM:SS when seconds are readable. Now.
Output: **6:14:36**
